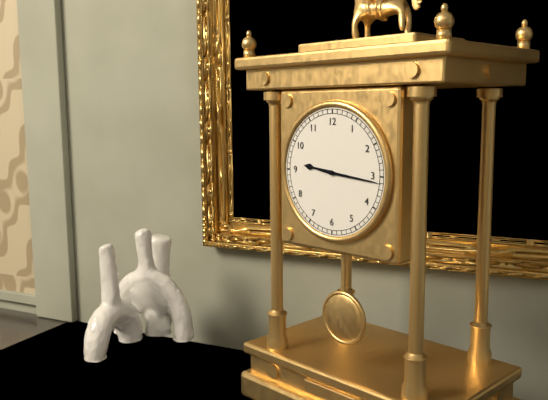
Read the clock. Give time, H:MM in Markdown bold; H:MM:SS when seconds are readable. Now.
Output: **9:16**
